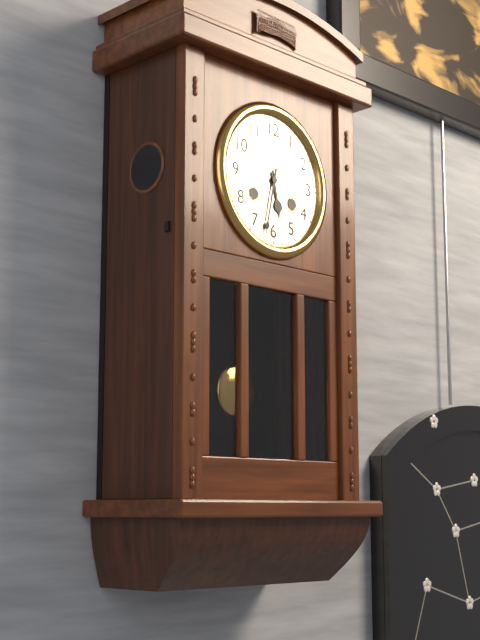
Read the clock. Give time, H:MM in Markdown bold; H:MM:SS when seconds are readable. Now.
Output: **5:32**
